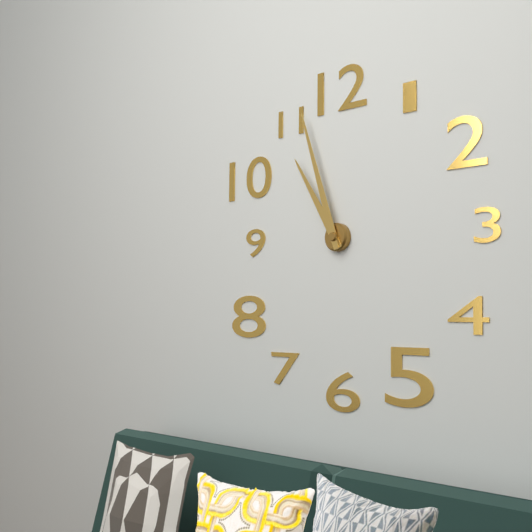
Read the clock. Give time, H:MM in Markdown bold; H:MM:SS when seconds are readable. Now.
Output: **10:57**
